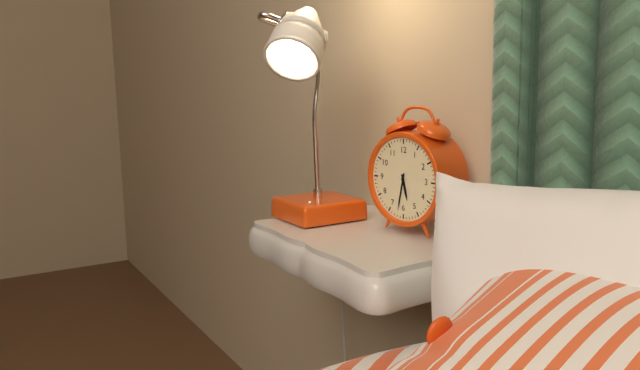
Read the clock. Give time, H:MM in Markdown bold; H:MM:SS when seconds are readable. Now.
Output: **5:32**
